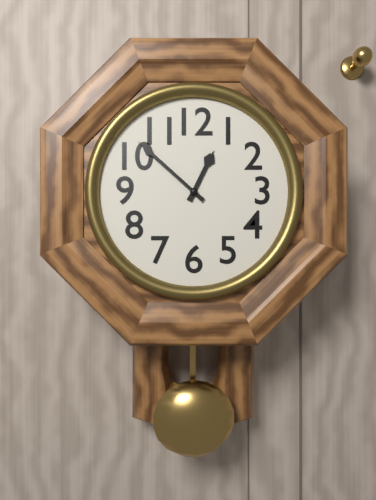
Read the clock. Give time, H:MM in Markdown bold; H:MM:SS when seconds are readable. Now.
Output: **12:52**
